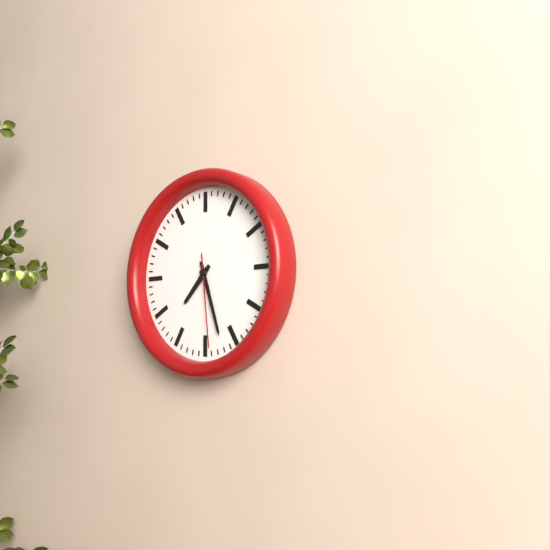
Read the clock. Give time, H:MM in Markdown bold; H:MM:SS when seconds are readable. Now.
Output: **7:27:29**
